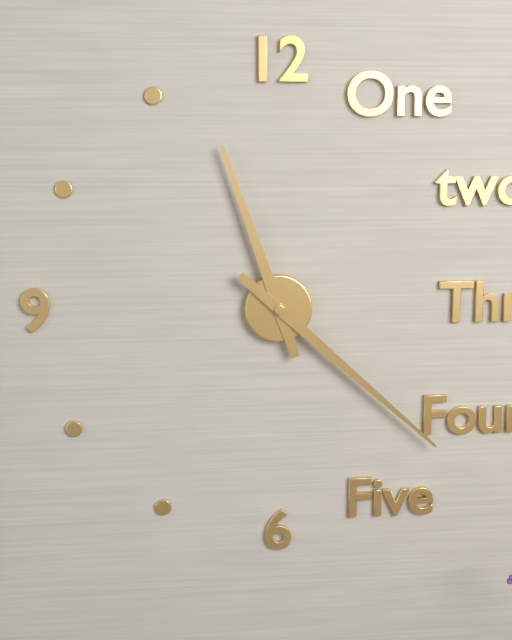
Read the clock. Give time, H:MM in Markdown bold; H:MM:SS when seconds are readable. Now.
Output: **11:22**
